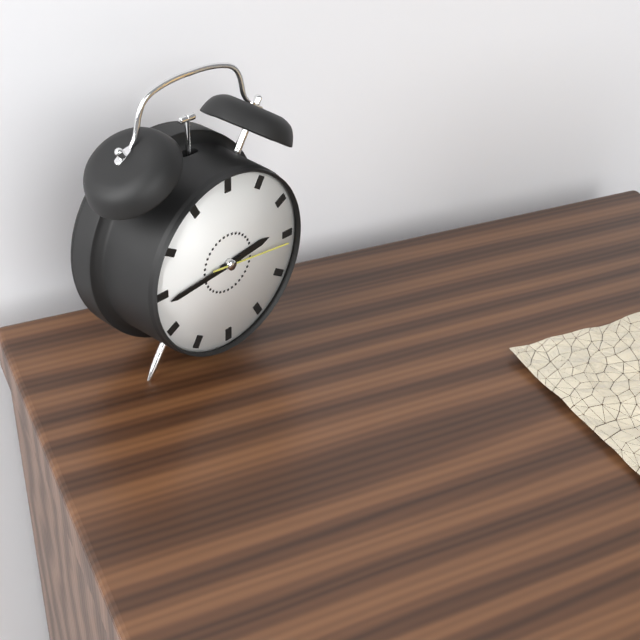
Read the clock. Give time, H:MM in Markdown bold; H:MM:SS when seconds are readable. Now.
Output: **2:44:16**
